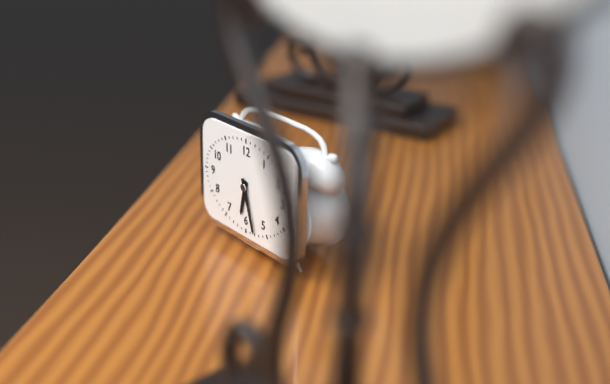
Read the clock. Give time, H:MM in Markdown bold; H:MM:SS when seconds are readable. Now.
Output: **6:27**
